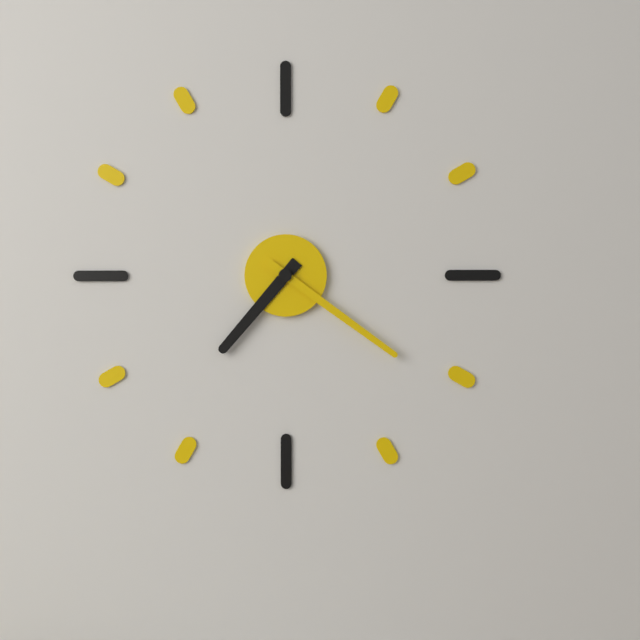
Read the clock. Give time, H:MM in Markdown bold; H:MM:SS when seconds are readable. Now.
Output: **7:21**
